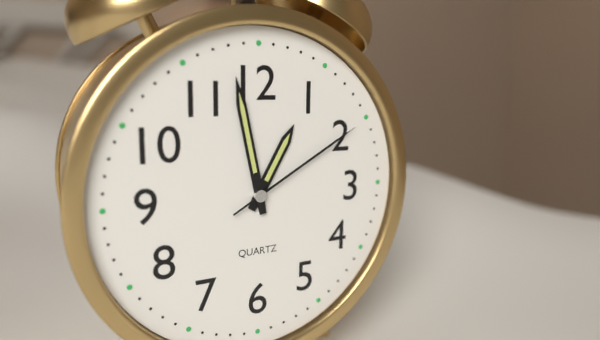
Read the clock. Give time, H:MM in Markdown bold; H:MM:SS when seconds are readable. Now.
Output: **12:58:10**
